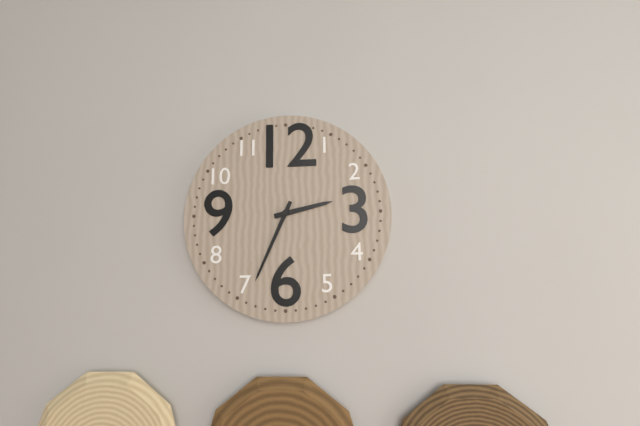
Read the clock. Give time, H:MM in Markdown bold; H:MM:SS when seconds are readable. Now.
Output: **2:34**
